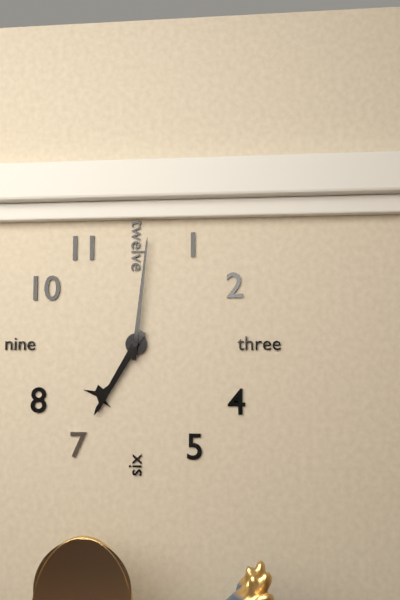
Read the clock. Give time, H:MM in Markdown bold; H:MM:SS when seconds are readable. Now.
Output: **7:01**
